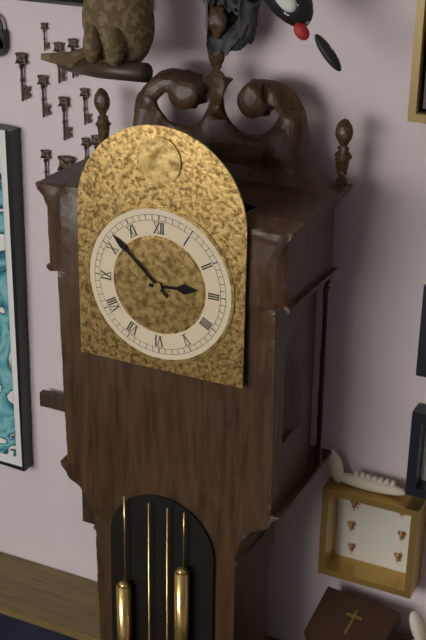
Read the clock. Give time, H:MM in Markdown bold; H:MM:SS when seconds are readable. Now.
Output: **2:52**
